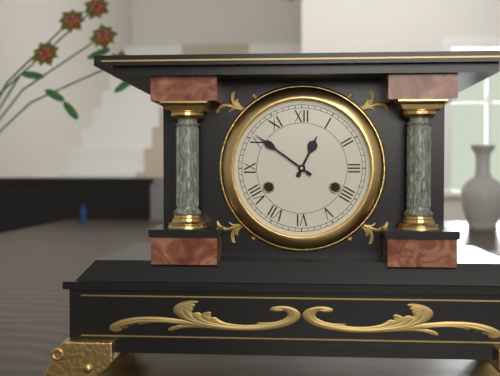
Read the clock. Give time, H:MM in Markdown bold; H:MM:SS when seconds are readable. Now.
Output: **12:51**
